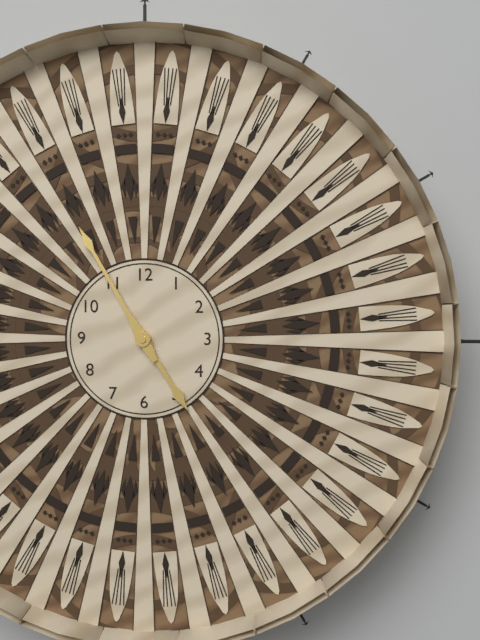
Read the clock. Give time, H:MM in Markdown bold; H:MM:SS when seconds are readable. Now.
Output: **4:55**
